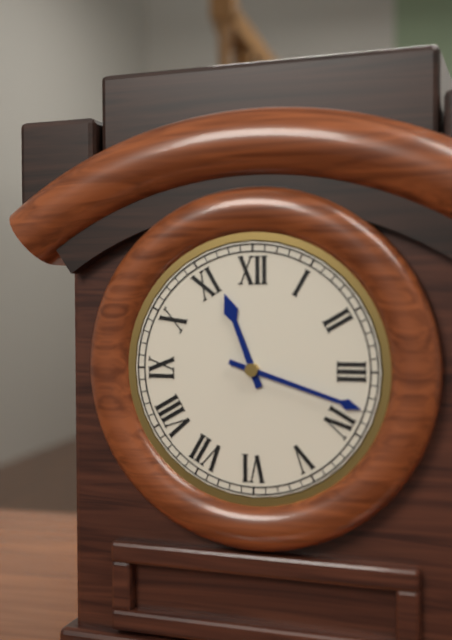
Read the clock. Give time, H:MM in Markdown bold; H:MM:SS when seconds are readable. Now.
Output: **11:18**
